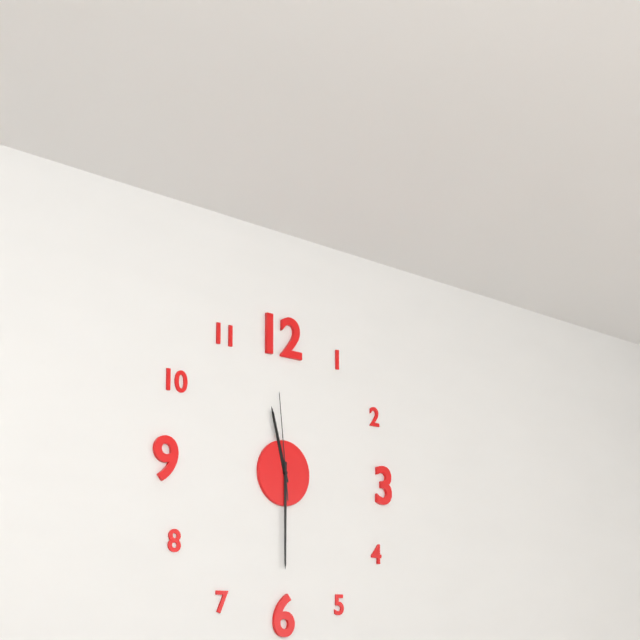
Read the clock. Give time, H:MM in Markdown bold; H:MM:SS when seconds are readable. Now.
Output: **11:30:59**
